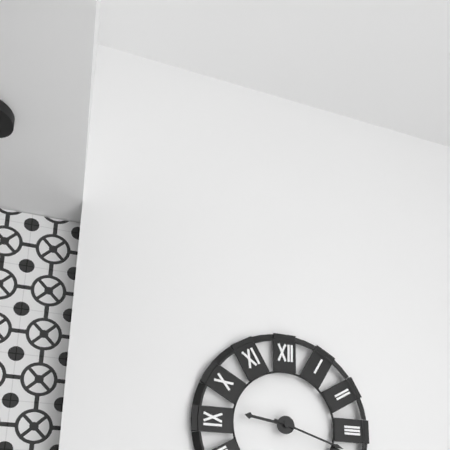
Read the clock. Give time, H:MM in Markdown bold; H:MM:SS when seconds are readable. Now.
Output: **9:18**
